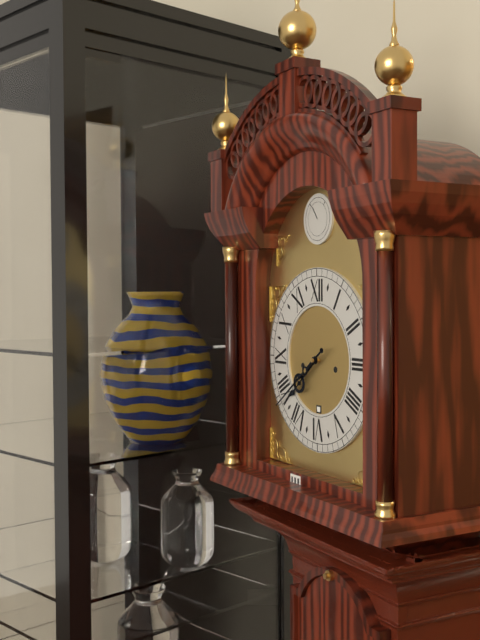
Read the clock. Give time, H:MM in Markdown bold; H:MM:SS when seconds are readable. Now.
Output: **7:39**
